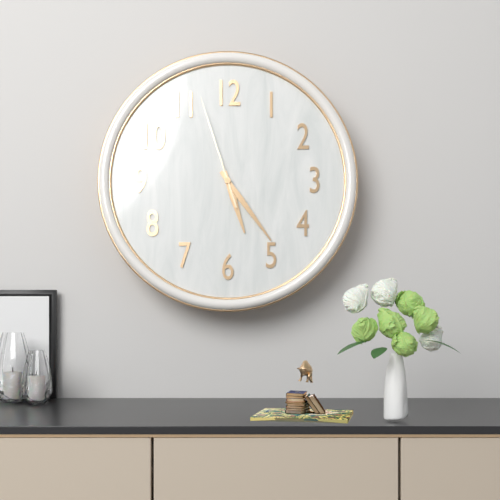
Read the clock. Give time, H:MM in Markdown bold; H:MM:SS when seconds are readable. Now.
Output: **5:24:57**
